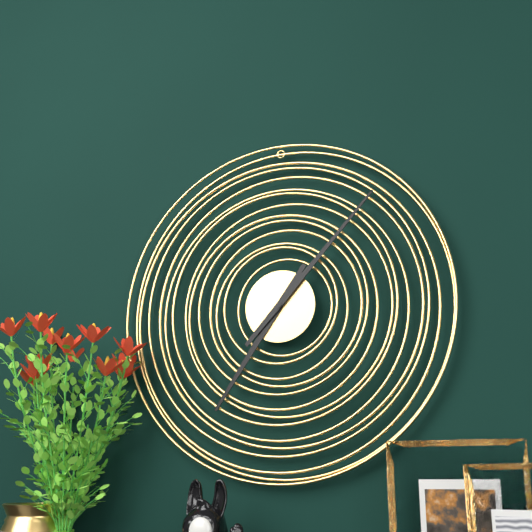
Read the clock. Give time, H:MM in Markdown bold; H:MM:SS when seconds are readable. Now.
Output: **7:07**
